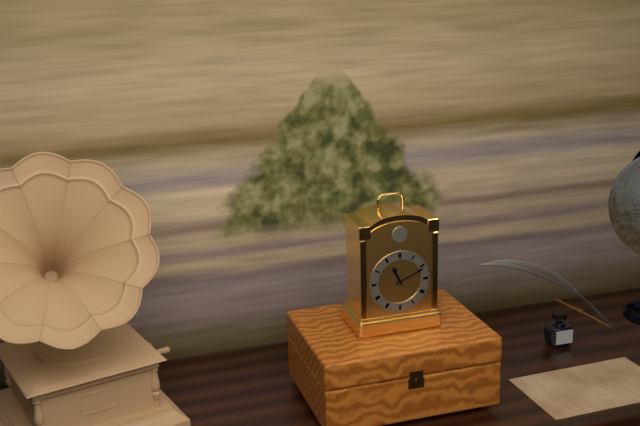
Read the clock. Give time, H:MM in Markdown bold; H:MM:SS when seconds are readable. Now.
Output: **11:11**
